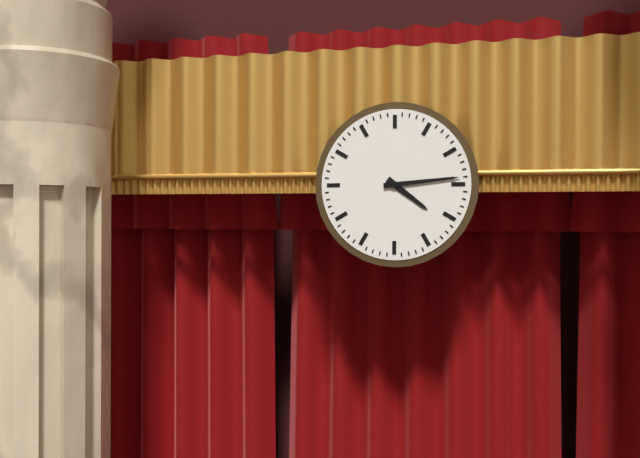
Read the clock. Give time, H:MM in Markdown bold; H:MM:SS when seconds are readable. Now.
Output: **4:14**
